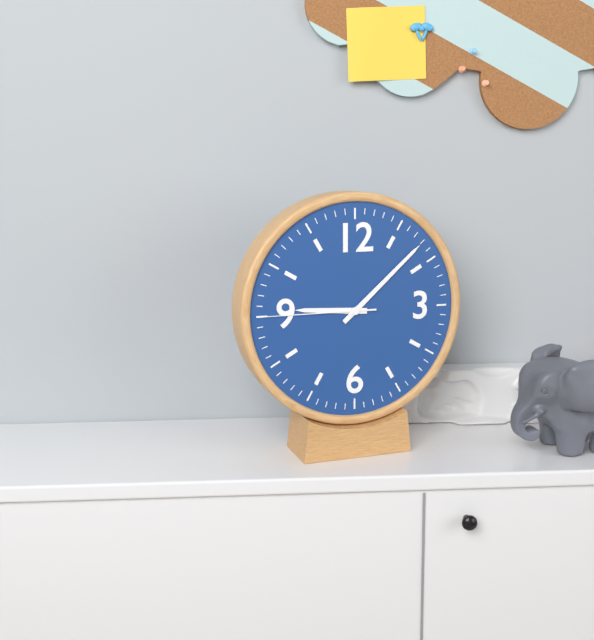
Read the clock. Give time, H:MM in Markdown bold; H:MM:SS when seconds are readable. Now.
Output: **9:08:45**
